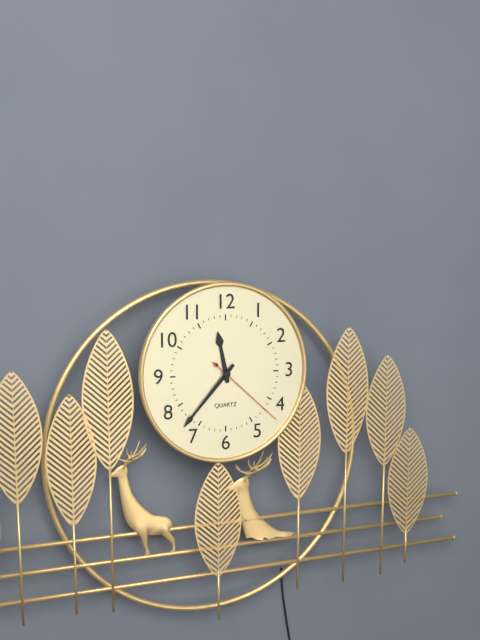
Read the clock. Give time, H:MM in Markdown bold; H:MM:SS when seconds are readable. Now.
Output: **11:37:22**
